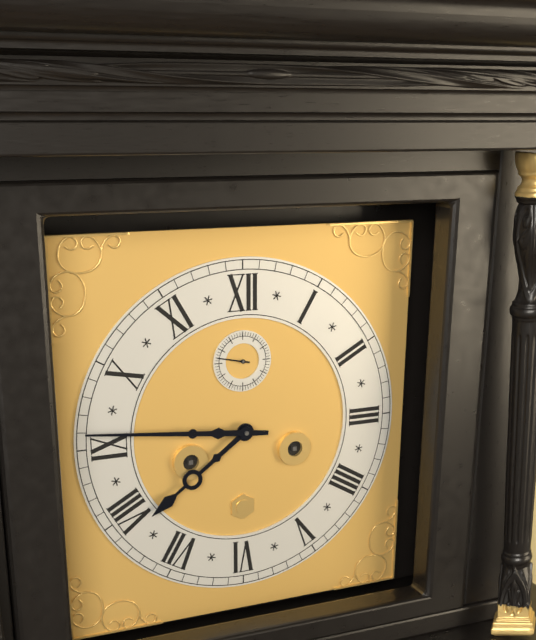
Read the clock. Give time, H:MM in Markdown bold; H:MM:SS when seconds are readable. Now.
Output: **7:46**
